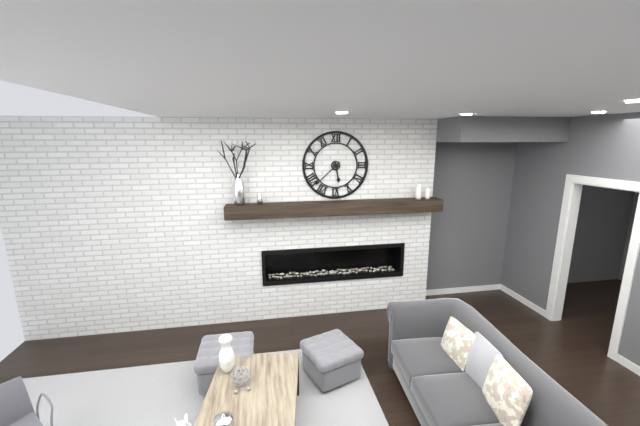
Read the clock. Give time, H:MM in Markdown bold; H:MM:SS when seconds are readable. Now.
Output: **5:38**
